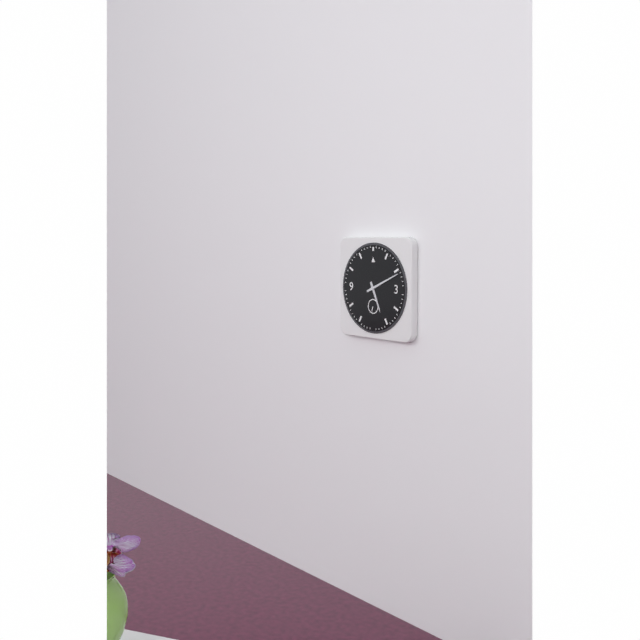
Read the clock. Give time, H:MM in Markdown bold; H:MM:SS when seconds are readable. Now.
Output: **5:11**
